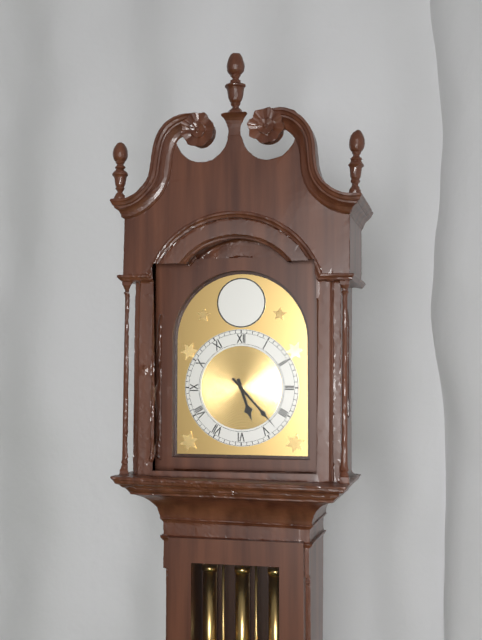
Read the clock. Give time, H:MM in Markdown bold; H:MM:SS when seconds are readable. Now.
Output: **5:23**
